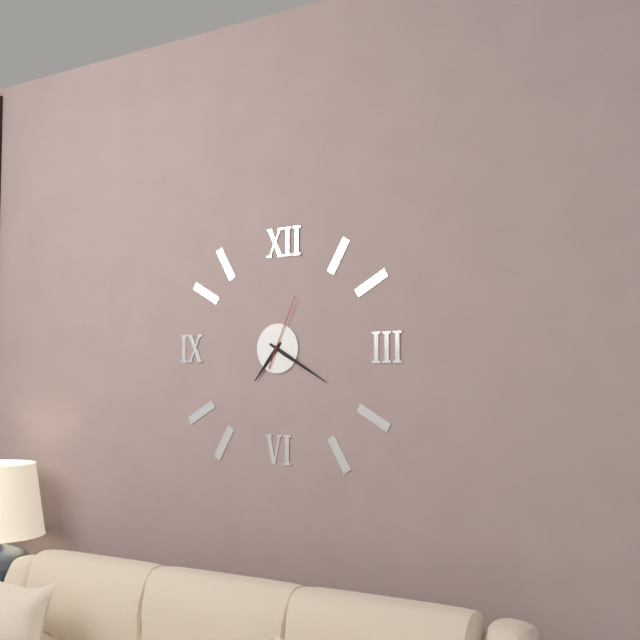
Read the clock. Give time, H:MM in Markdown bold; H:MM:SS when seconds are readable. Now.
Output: **7:20:04**
